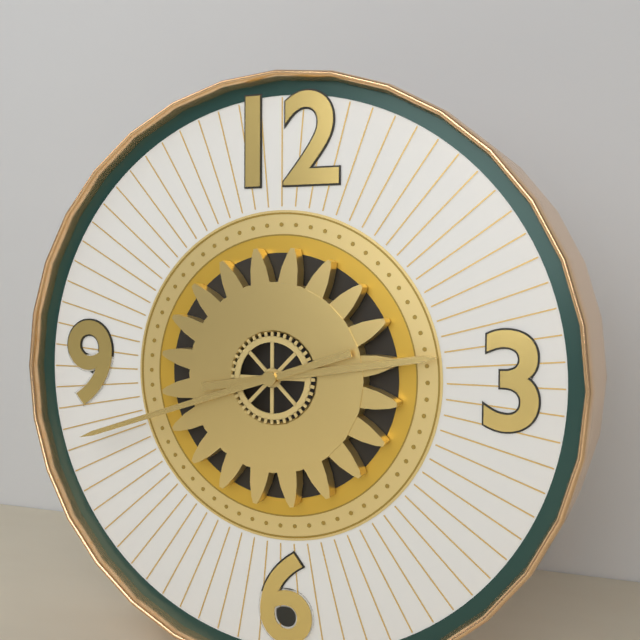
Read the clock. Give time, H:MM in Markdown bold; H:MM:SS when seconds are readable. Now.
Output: **2:42**
